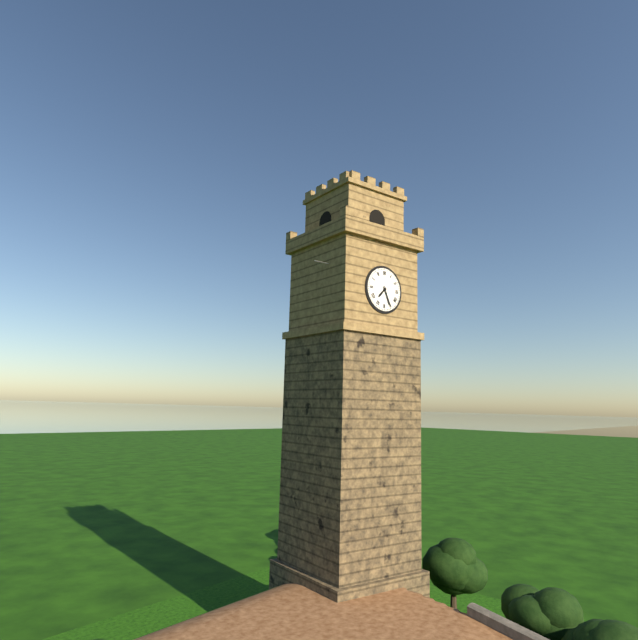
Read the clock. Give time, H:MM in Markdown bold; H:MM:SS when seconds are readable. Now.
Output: **7:26**
